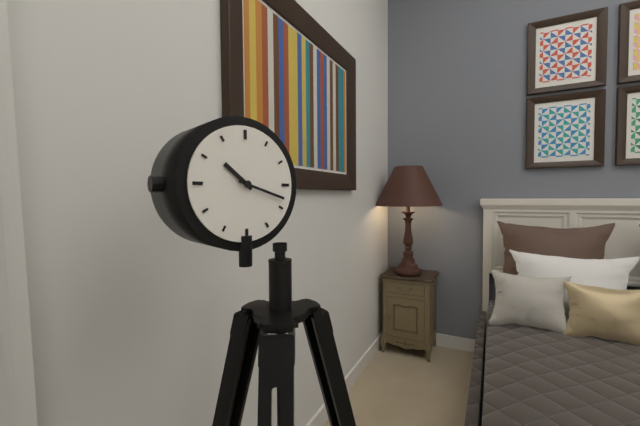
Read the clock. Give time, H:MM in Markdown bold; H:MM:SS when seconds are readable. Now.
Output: **10:18**
